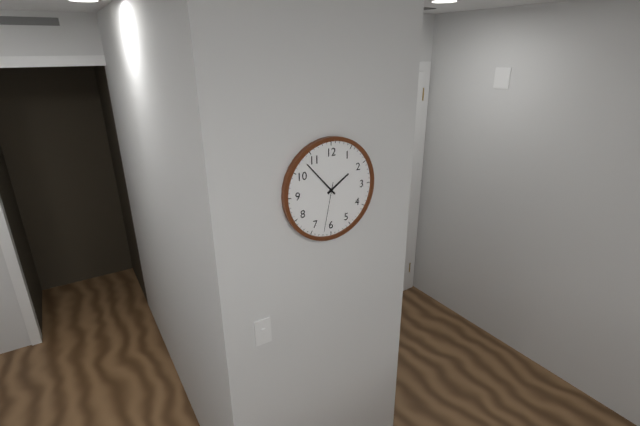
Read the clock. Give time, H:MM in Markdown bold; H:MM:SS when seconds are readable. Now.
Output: **1:53:32**
